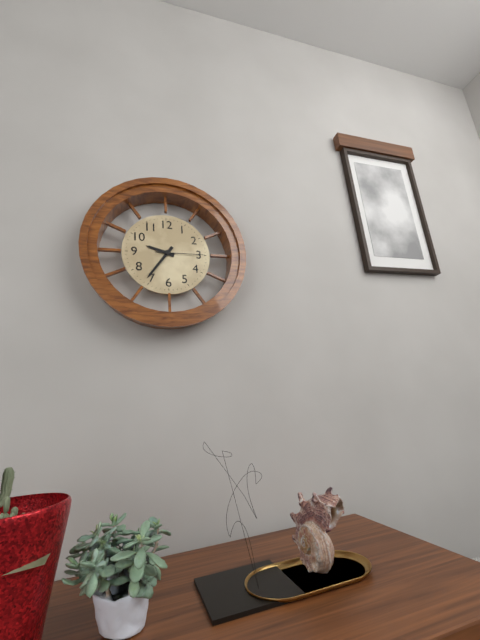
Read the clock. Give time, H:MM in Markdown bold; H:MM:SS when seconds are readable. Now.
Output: **9:36**
